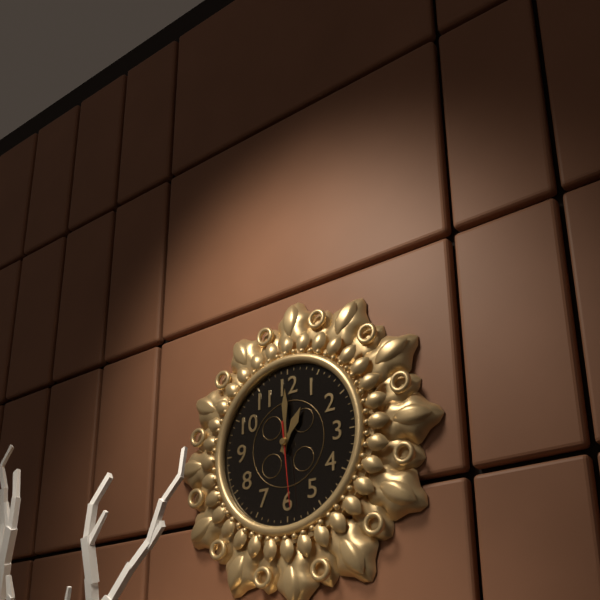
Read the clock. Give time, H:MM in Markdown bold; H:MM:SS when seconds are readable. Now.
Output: **1:00:29**
